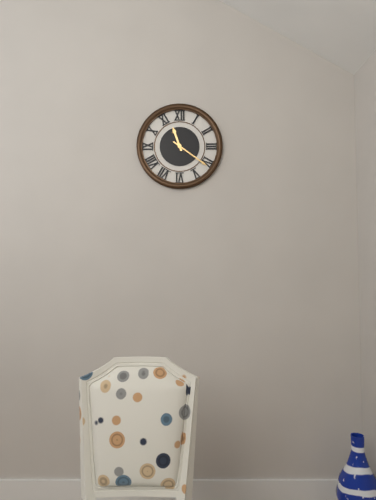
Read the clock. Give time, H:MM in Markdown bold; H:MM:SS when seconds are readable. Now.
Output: **11:21**
